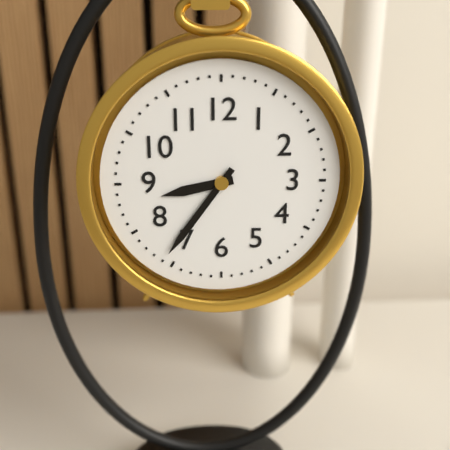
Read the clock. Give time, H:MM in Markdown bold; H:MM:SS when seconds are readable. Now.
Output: **8:36**
